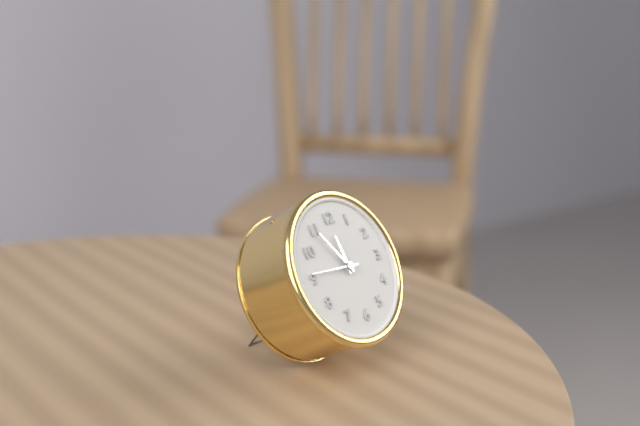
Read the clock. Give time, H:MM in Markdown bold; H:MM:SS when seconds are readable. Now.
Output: **11:55**
